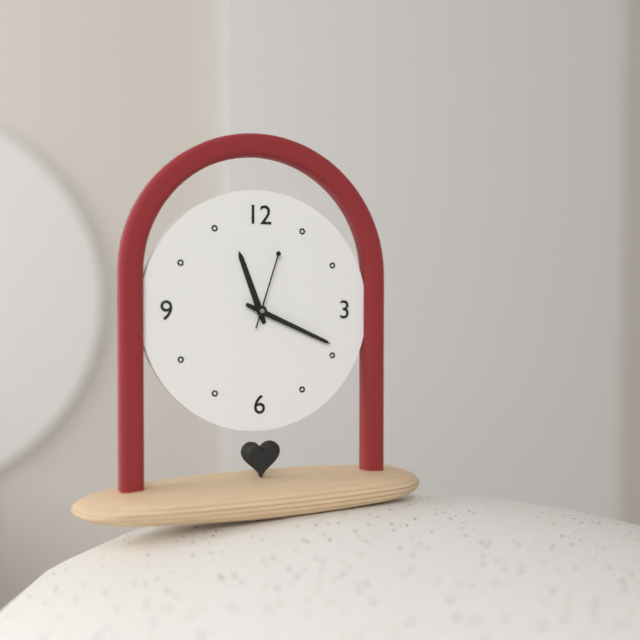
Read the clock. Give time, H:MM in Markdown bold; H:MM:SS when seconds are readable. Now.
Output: **11:19:03**
